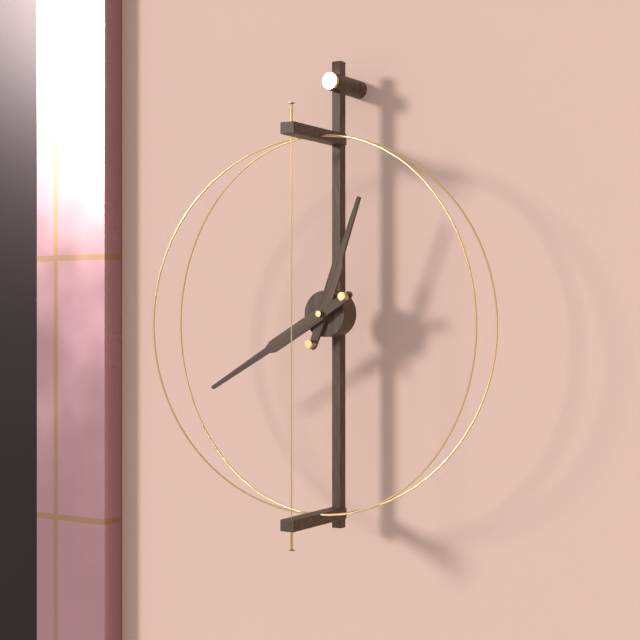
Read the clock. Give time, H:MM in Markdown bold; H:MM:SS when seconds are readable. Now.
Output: **12:40**
